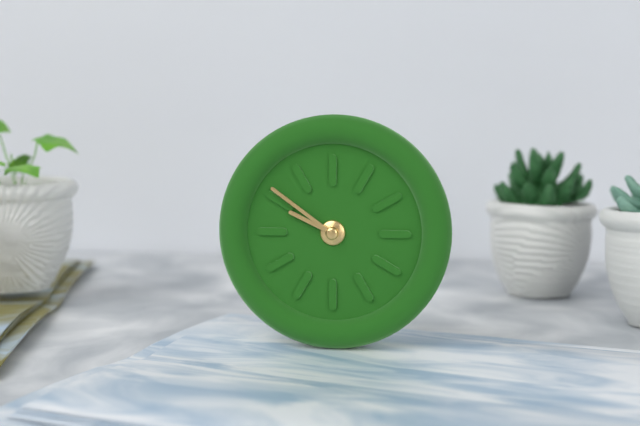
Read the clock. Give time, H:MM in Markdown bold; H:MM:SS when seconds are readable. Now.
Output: **9:51**
